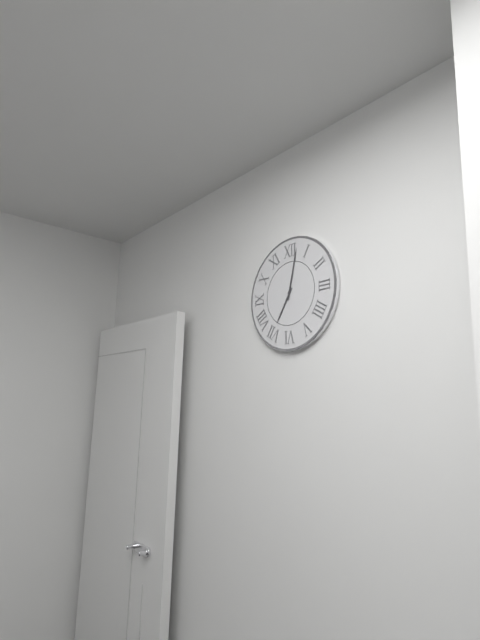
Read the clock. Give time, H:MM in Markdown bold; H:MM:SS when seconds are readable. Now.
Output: **7:02**
